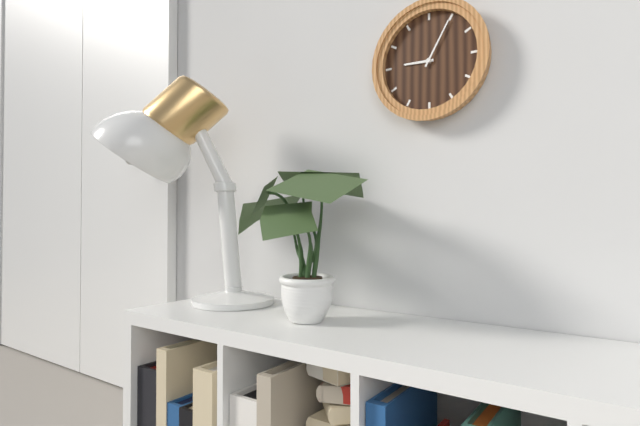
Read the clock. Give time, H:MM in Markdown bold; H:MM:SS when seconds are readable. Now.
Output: **9:05**
